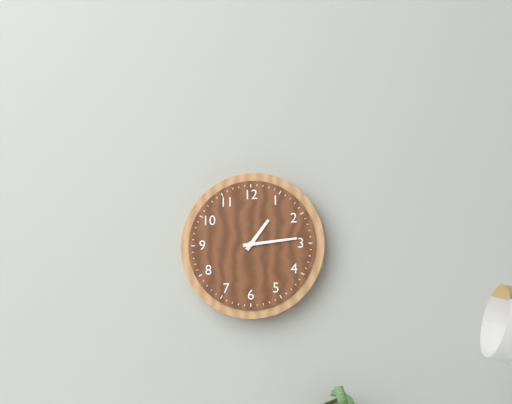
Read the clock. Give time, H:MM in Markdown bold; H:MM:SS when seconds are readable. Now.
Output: **1:14**
